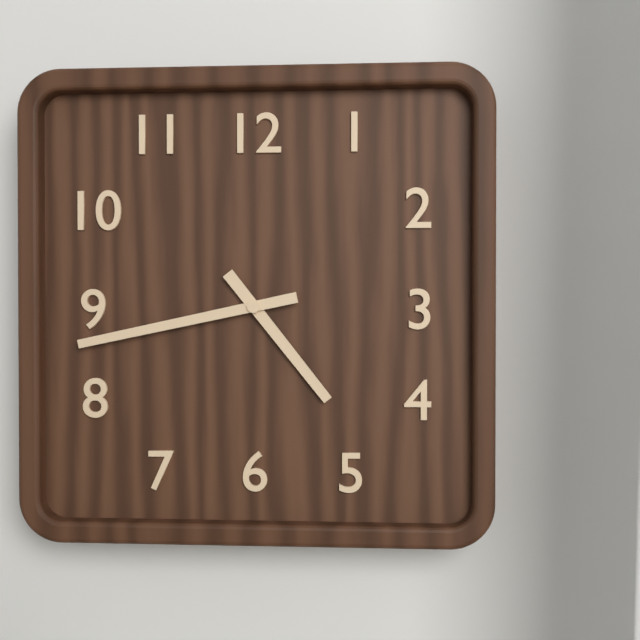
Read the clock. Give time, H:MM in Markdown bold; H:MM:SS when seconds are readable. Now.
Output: **4:43**
